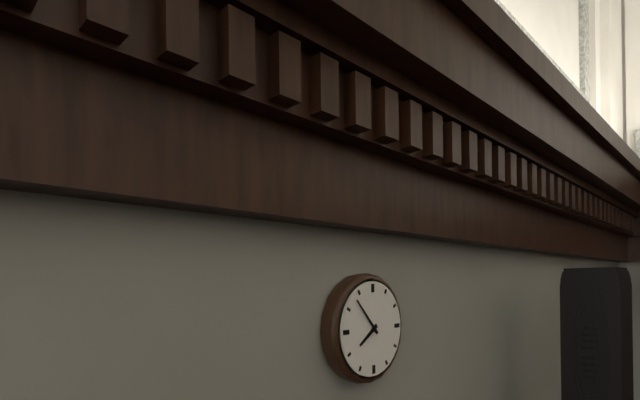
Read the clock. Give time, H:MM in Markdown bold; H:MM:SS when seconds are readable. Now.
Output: **7:53**
